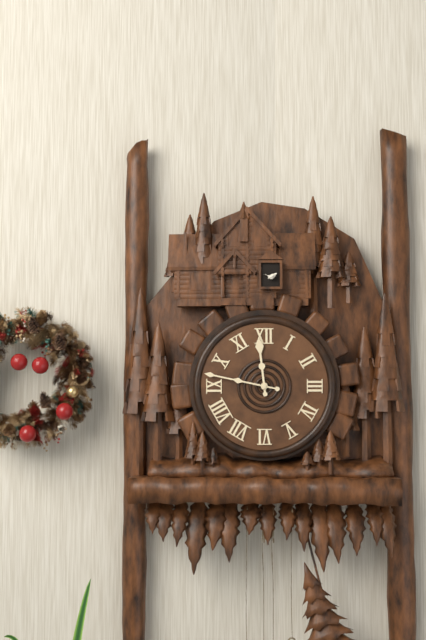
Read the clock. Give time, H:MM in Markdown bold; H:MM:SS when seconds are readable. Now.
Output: **11:47**
